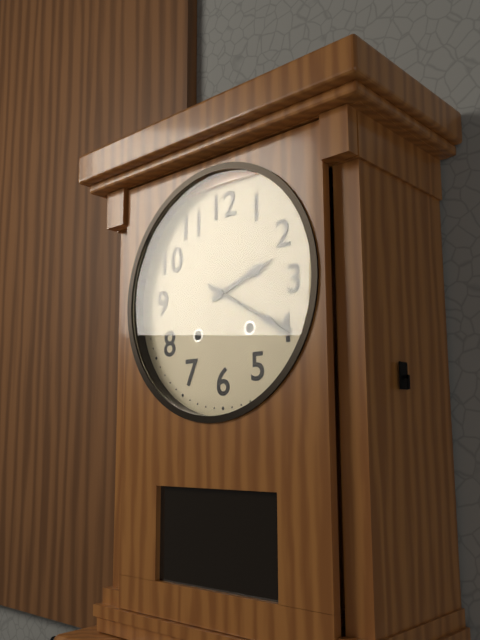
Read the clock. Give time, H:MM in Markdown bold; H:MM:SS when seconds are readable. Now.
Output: **2:20**
